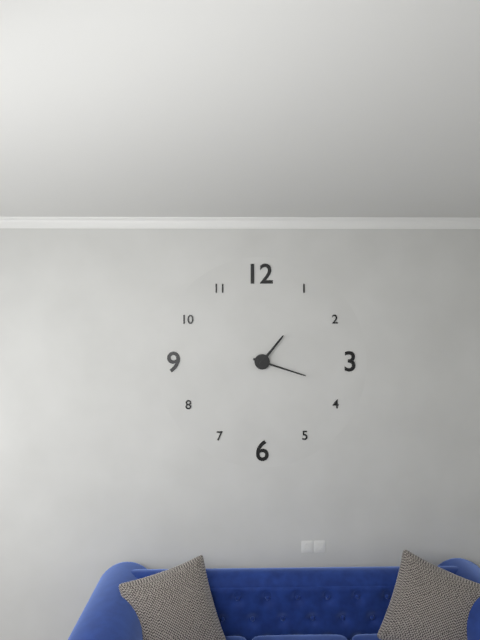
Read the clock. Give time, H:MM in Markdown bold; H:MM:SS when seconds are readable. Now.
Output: **1:18**
